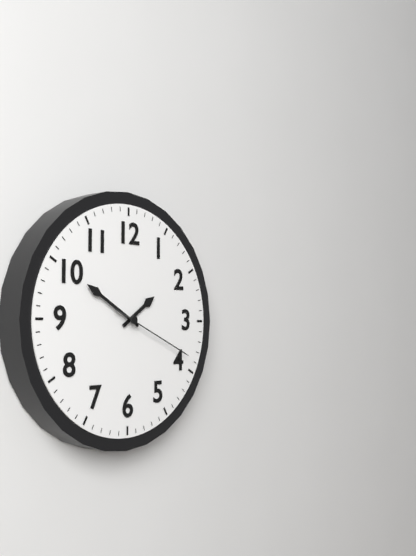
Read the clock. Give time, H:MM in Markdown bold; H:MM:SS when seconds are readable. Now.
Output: **1:50:19**
